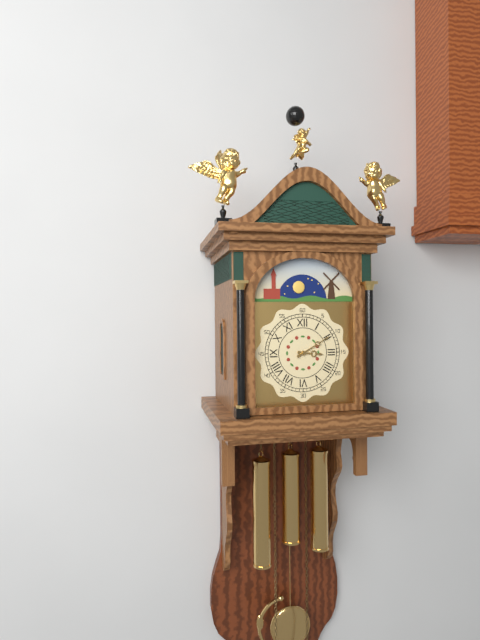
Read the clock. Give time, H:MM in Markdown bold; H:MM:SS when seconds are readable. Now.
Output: **3:10**
